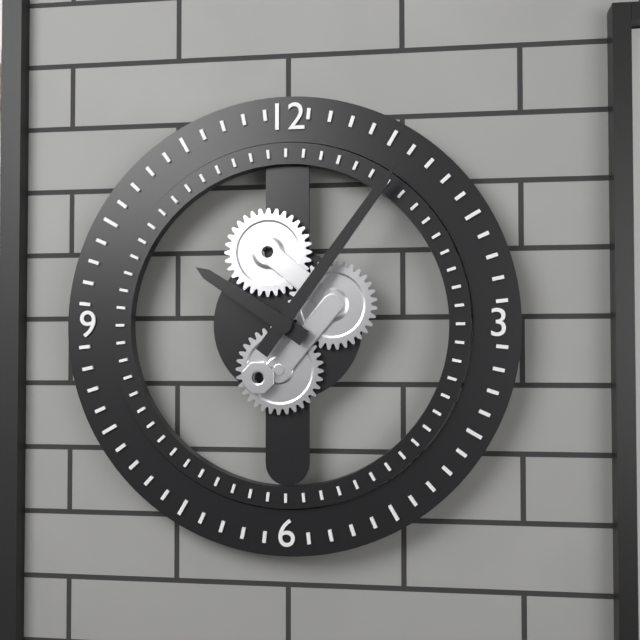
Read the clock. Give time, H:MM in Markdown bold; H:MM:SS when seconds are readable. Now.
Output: **10:06**
